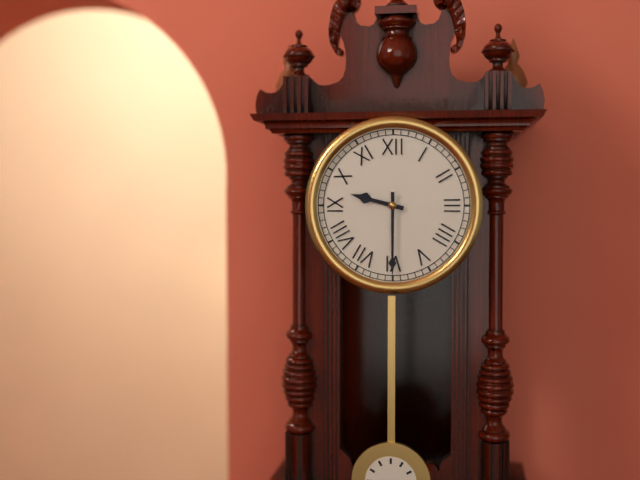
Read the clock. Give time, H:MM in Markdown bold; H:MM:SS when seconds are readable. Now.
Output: **9:30**
